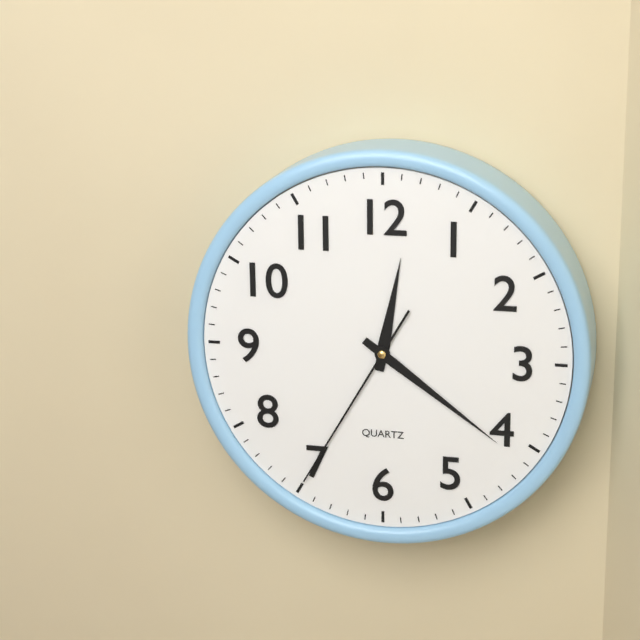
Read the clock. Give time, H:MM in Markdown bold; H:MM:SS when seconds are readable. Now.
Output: **12:21:35**
